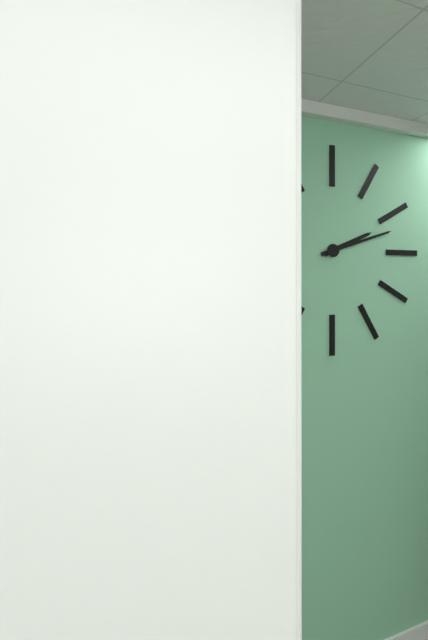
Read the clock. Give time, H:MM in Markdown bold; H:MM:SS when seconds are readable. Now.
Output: **2:12**
